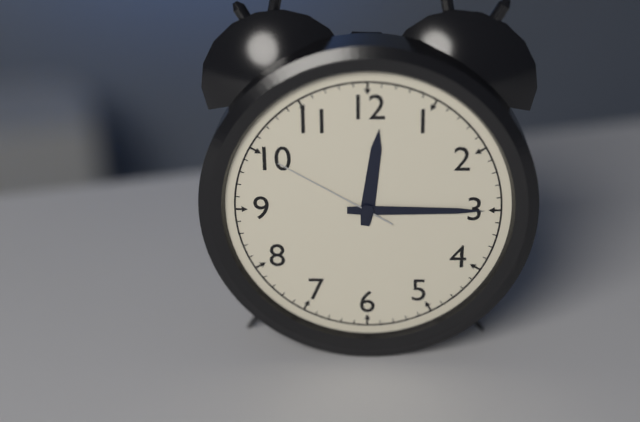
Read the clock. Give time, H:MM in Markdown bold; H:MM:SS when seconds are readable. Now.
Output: **12:15:50**
